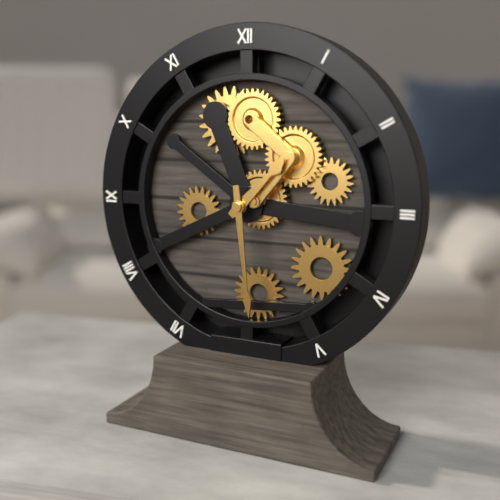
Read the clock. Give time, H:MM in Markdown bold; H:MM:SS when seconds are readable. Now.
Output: **1:29**
